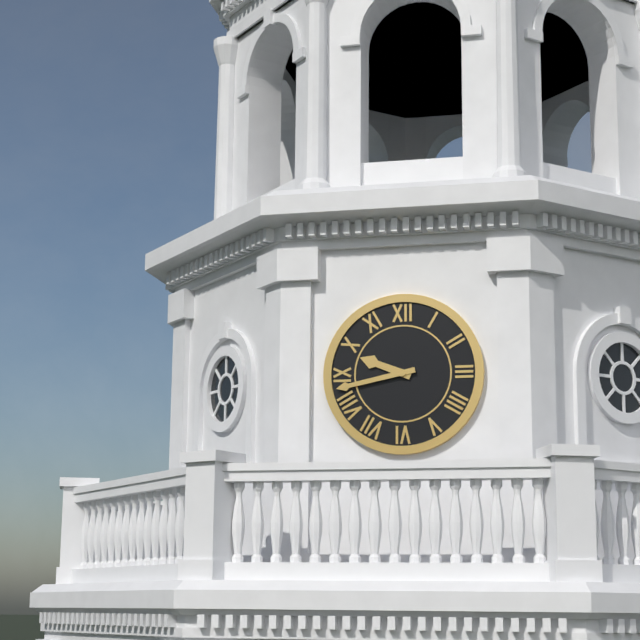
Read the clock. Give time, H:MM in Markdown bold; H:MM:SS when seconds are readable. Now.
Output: **9:43**
